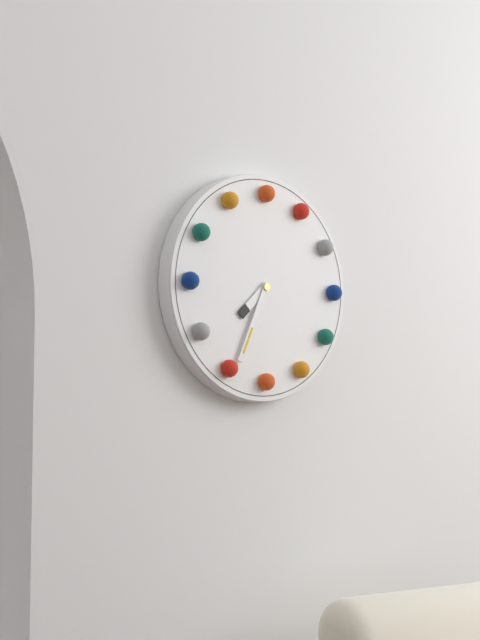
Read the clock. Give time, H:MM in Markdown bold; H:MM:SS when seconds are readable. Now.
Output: **7:34**
